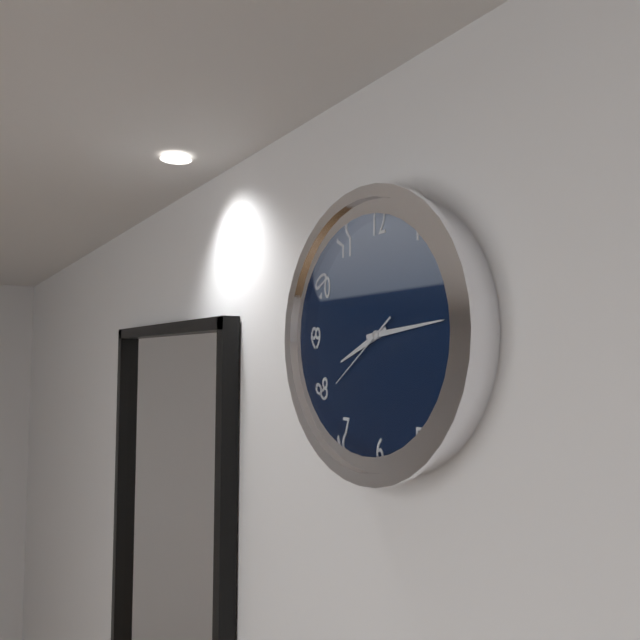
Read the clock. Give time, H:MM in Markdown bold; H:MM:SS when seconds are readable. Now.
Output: **8:14:39**
